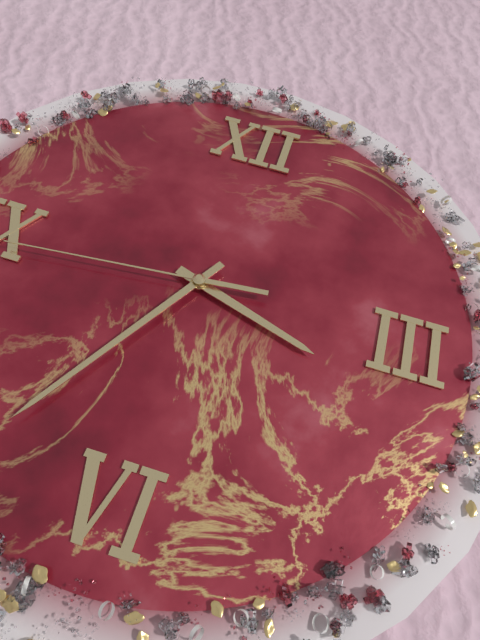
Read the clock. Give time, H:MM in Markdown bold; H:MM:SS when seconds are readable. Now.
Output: **3:35:44**
